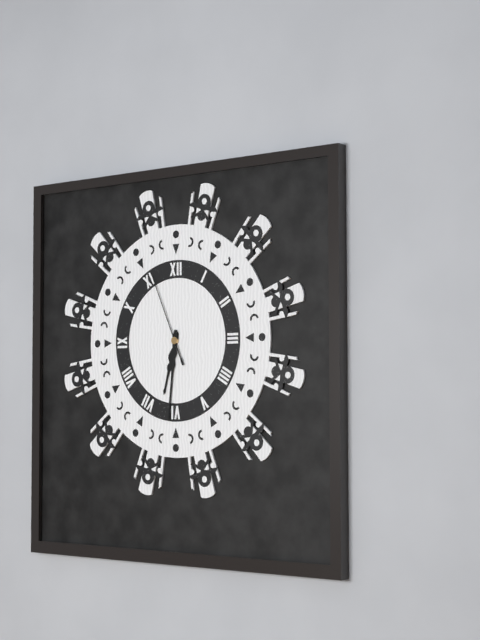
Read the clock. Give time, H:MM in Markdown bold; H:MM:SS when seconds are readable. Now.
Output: **6:31:56**
